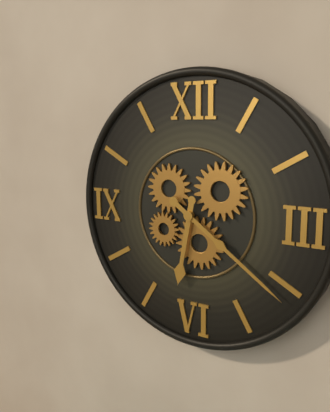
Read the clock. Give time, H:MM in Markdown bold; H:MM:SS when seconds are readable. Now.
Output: **6:21**
